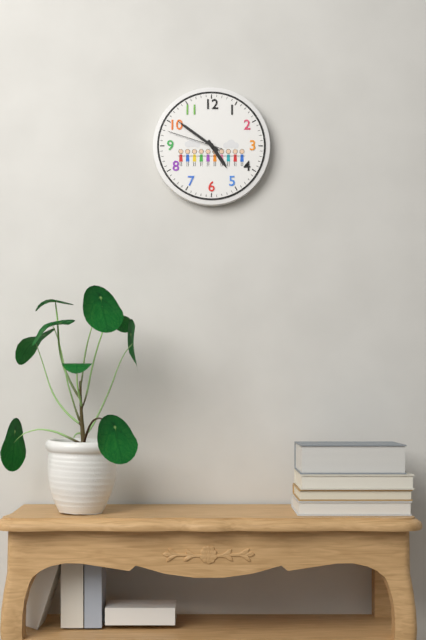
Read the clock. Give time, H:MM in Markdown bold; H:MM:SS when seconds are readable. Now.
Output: **4:51:48**
